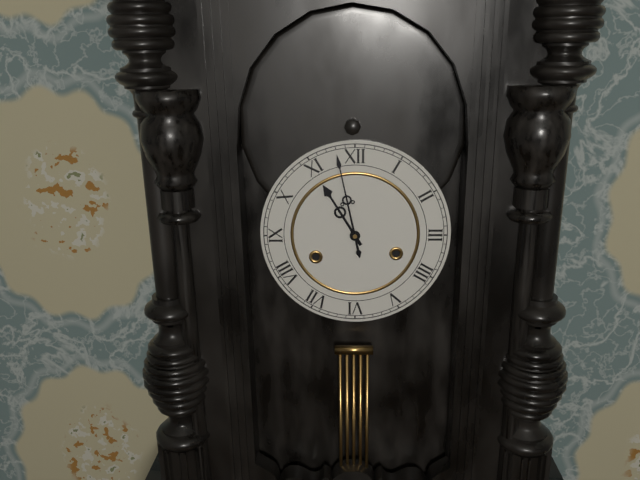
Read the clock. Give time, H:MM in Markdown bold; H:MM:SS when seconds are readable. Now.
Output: **10:58**
